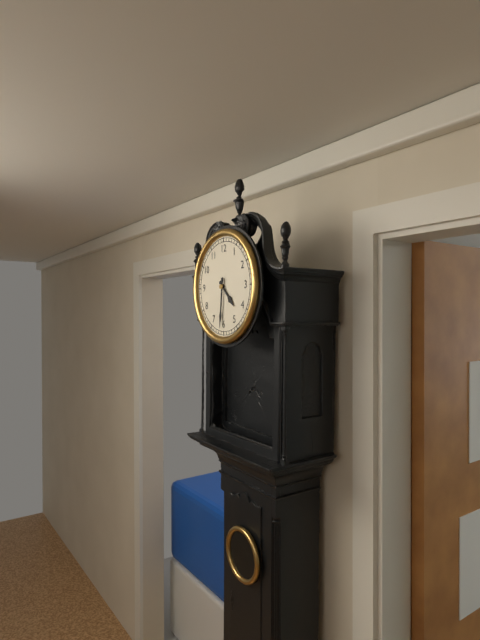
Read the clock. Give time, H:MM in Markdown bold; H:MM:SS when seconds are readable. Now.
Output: **4:31**
